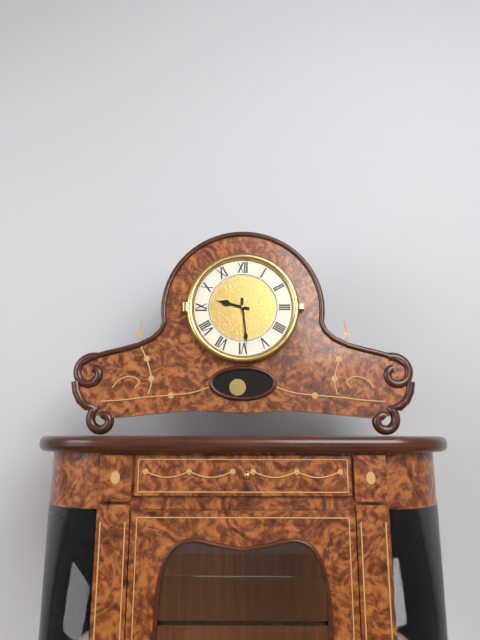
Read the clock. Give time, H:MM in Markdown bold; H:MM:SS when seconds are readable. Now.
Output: **9:29**
